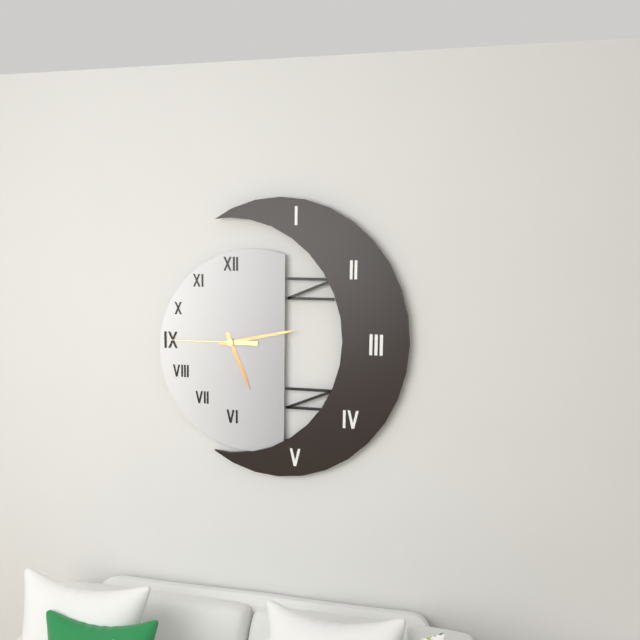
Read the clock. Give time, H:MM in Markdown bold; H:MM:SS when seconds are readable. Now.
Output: **5:13:45**
